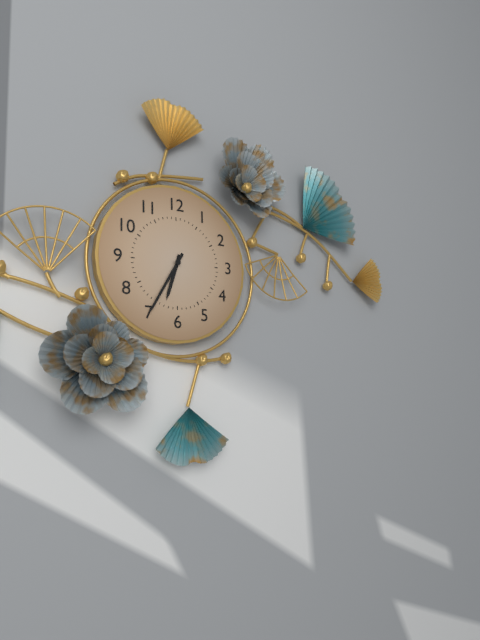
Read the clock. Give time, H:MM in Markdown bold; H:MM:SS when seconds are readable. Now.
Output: **6:35**
